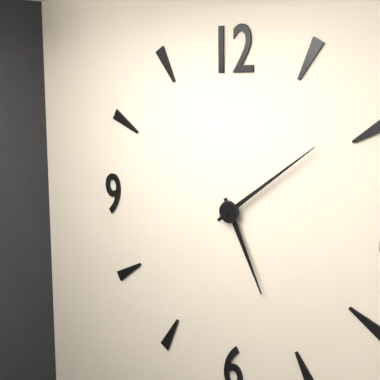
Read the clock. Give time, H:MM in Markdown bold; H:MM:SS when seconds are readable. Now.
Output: **5:09**
